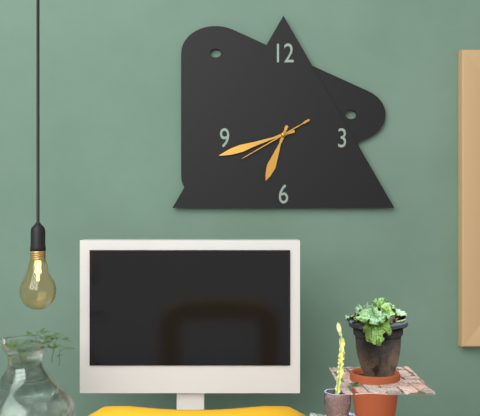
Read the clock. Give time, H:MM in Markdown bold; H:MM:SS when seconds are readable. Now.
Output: **6:42:40**
